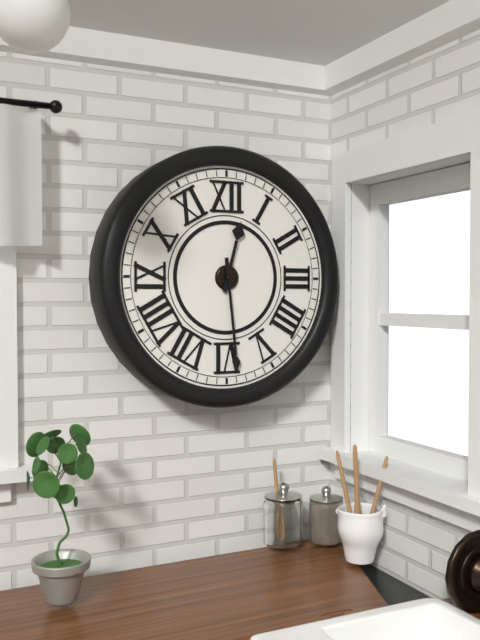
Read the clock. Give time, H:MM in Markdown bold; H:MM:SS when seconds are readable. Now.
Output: **12:29**
